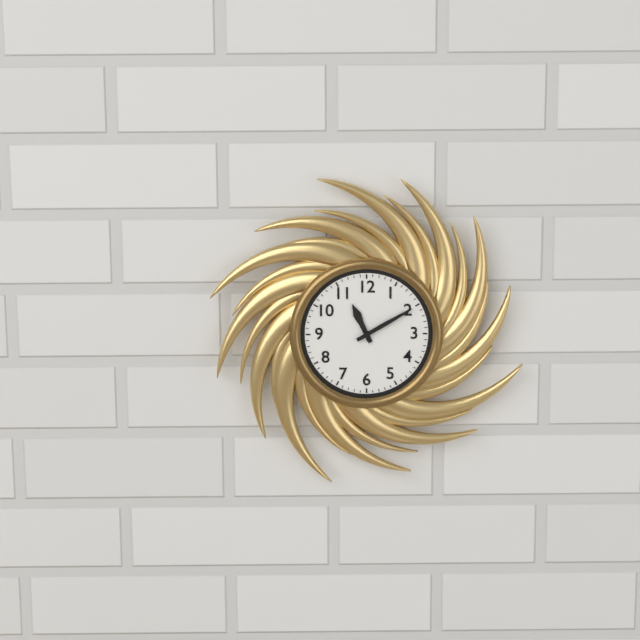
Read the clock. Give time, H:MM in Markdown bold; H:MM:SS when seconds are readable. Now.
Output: **11:10**
